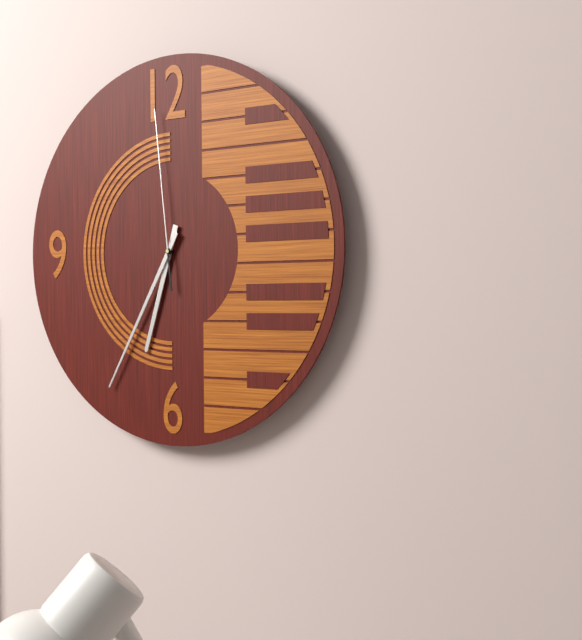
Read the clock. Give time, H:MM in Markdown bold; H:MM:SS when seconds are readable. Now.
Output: **6:35:59**
